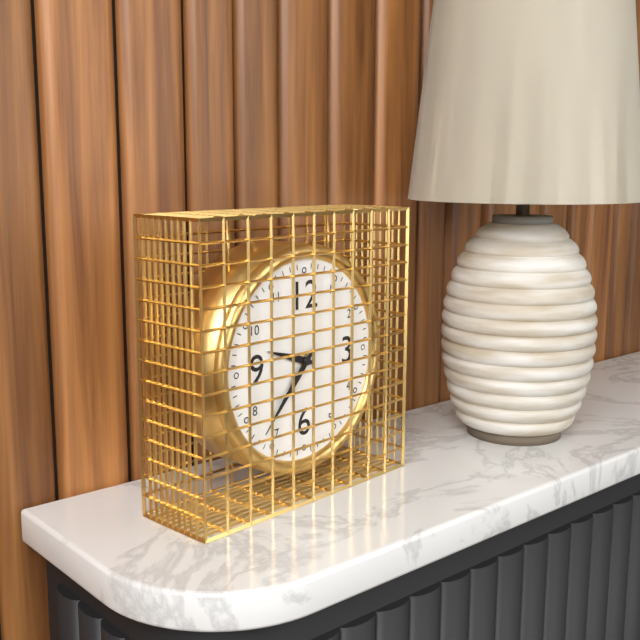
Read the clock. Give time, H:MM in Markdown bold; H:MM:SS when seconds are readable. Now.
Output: **9:37**
